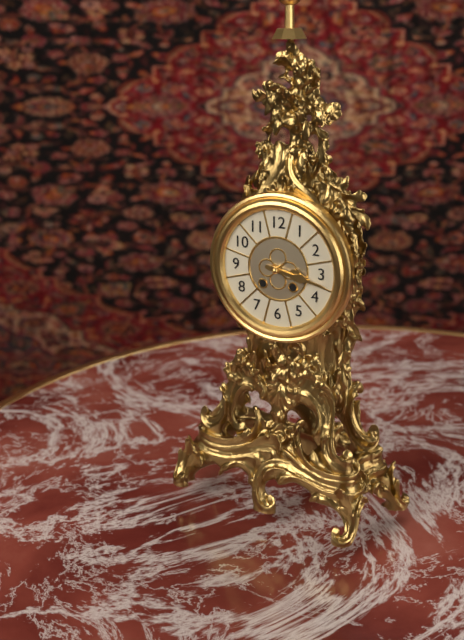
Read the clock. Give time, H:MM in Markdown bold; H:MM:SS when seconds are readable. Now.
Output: **3:17**
